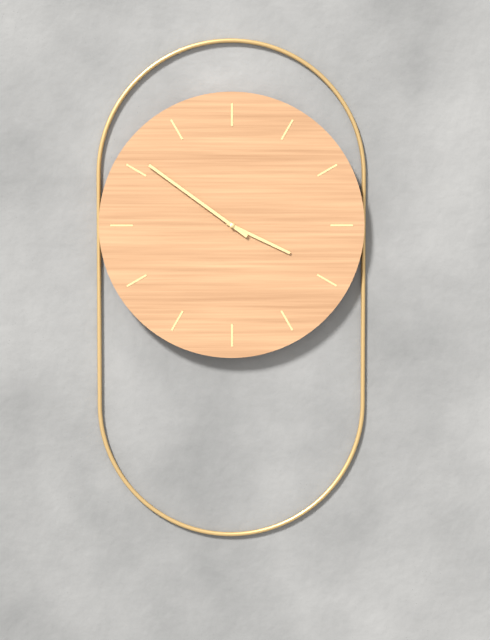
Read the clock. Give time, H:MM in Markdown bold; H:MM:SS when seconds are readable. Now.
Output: **3:51**
